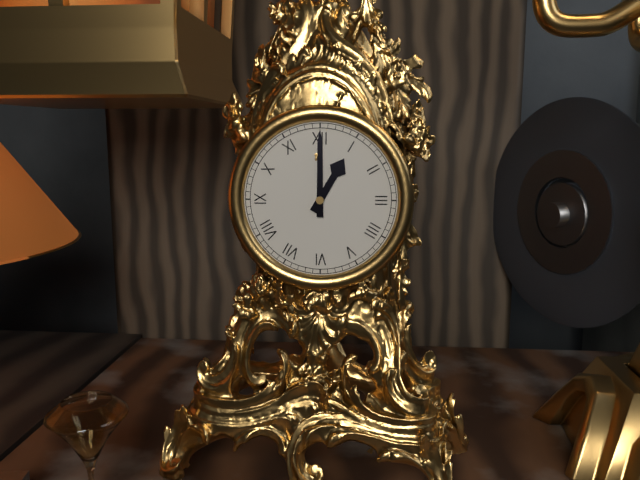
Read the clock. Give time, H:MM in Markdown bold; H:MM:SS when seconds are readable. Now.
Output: **1:00**
